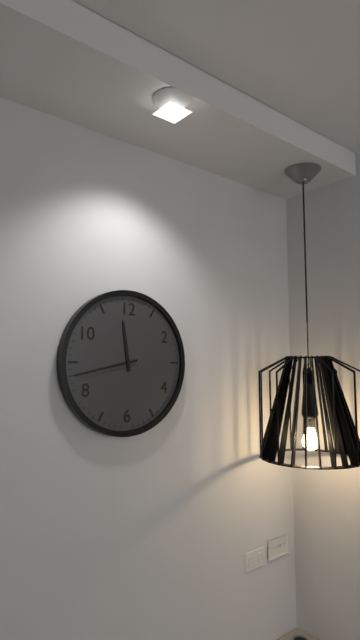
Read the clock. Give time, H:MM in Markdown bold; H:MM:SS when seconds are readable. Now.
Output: **11:43**
